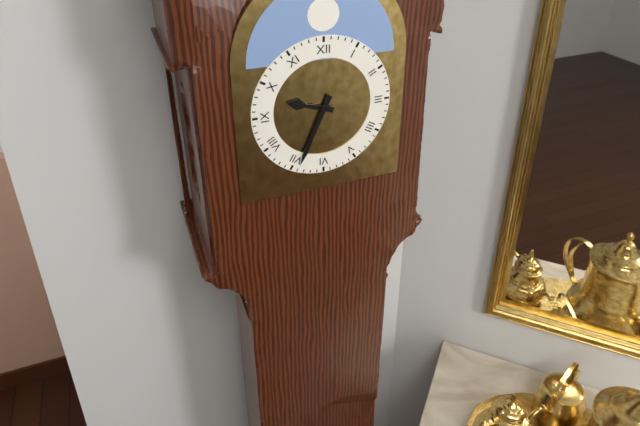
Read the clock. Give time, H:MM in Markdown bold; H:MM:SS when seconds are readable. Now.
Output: **9:34**
